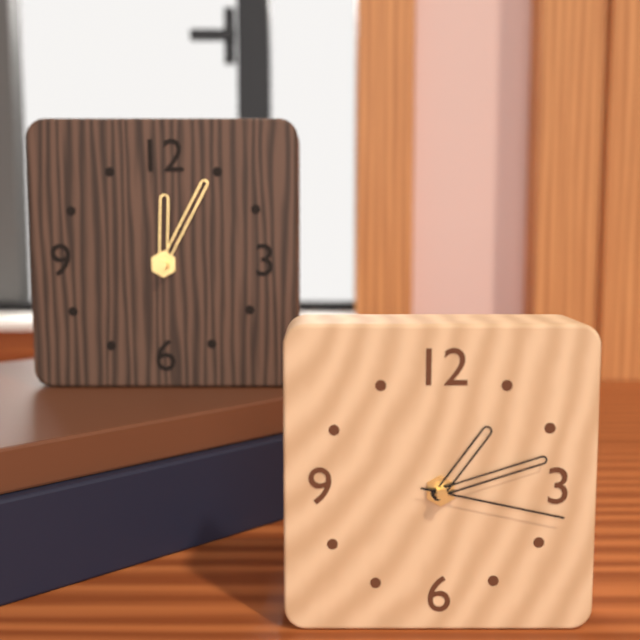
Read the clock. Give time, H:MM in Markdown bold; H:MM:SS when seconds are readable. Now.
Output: **1:12:17**
